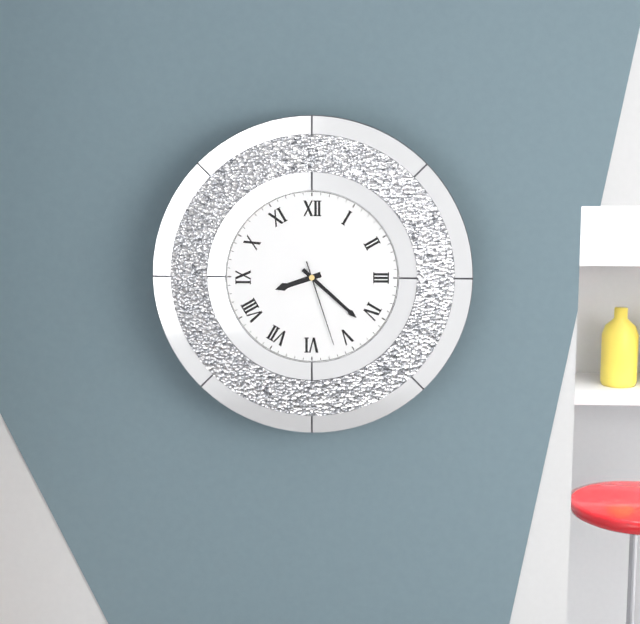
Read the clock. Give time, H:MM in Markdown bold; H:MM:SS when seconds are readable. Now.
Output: **8:22:27**
